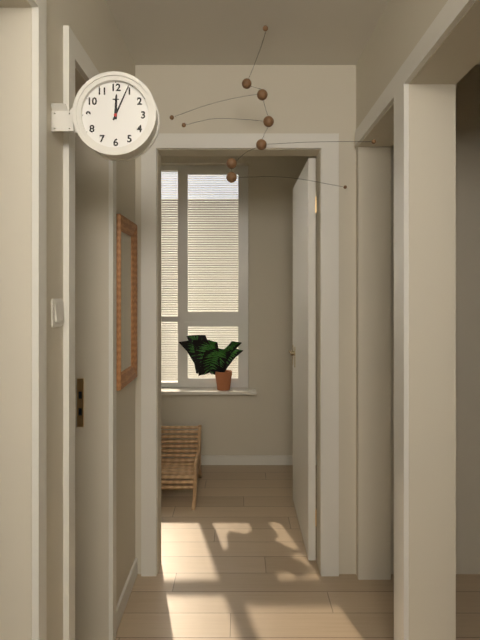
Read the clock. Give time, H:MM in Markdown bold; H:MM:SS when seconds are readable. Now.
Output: **12:04**
